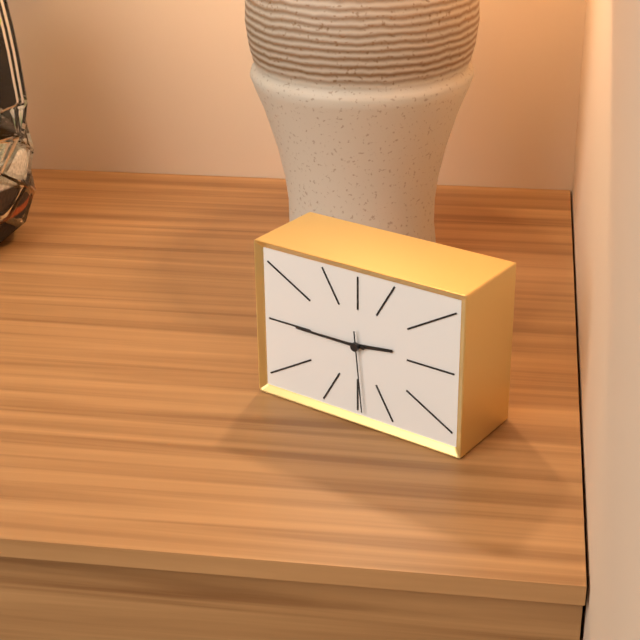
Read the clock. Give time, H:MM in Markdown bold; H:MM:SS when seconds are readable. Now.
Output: **2:45:29**
